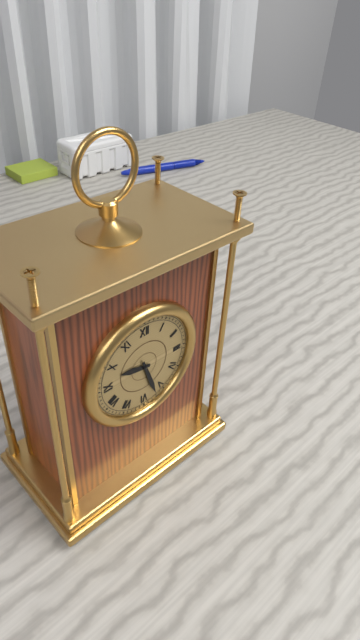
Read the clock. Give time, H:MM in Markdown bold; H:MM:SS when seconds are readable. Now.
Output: **9:27**
